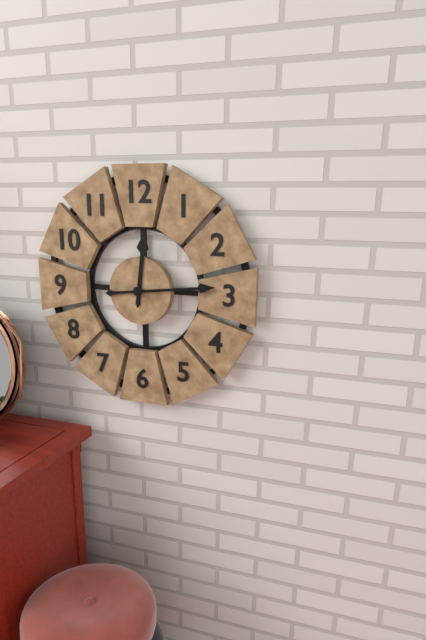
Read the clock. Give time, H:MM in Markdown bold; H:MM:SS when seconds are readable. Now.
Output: **12:14**
